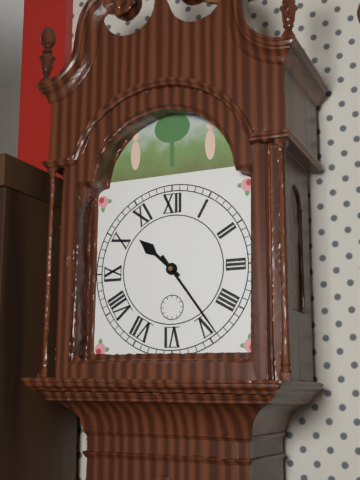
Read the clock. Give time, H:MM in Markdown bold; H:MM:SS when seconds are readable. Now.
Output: **10:24**
